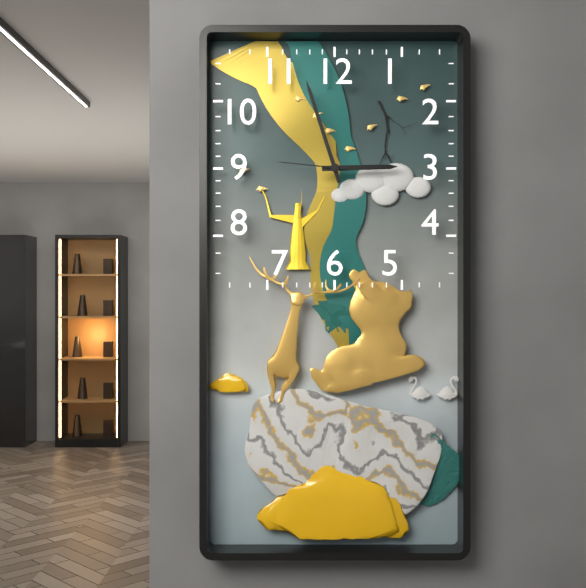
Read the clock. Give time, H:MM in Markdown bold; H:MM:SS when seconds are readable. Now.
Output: **2:57:46**
